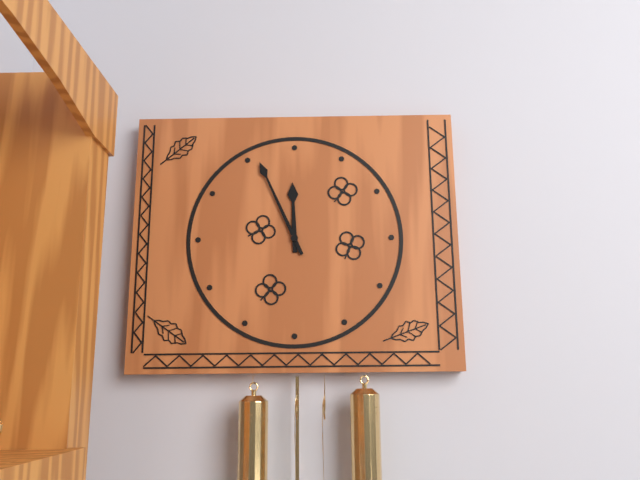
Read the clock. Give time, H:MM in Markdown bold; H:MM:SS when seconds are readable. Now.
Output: **11:56**
